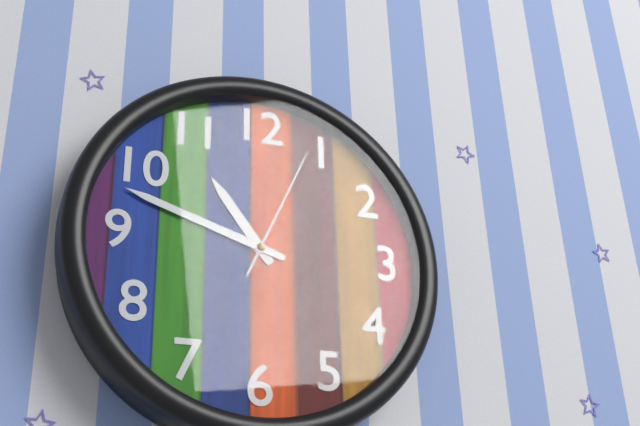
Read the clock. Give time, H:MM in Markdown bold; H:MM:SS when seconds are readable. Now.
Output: **10:48:04**
